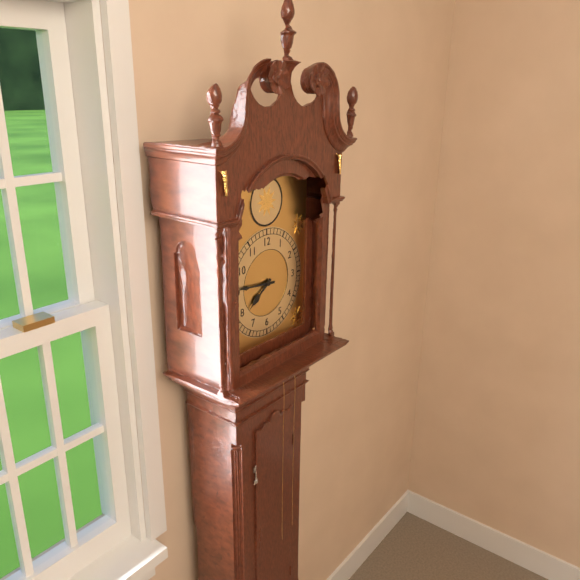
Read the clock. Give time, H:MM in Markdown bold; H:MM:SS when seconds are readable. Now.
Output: **7:46**
